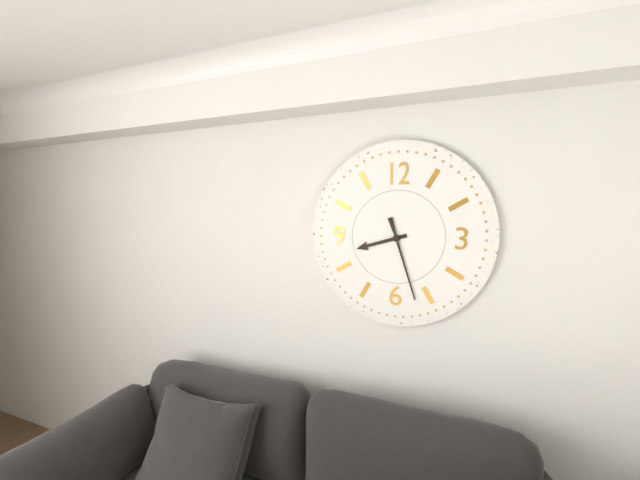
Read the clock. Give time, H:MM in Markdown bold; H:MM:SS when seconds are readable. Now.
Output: **8:27**
